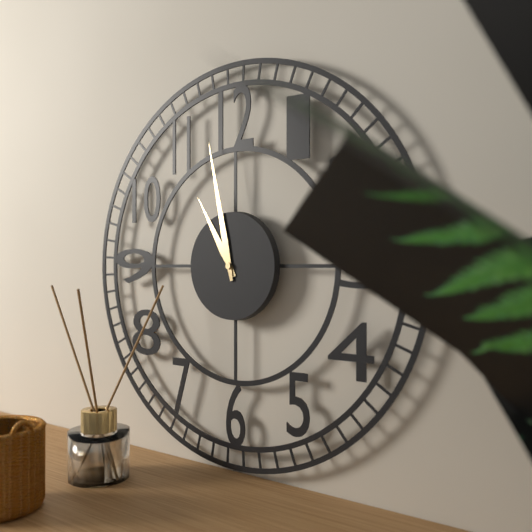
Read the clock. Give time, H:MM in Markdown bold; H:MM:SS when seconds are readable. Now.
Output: **10:58**
